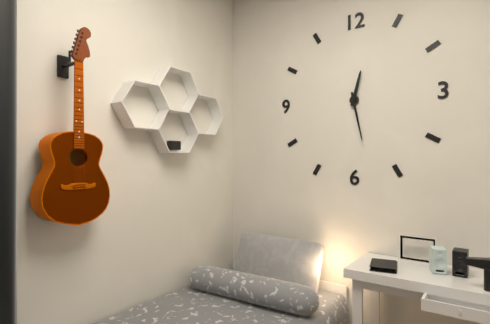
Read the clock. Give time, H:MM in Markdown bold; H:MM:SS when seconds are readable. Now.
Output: **12:28**
